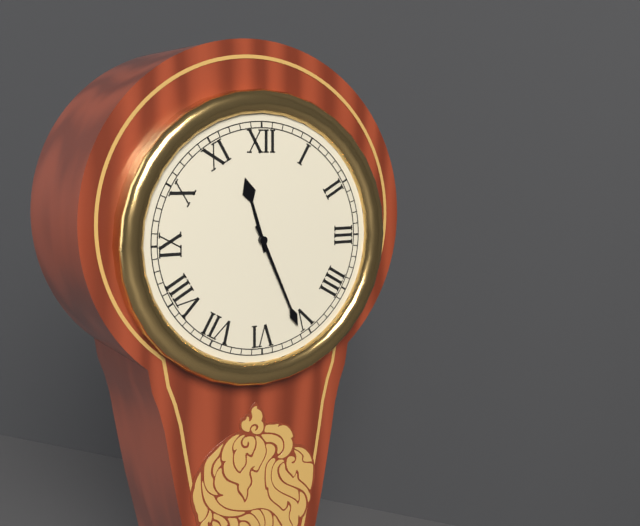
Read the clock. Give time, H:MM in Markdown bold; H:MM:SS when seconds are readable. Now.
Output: **11:26**
